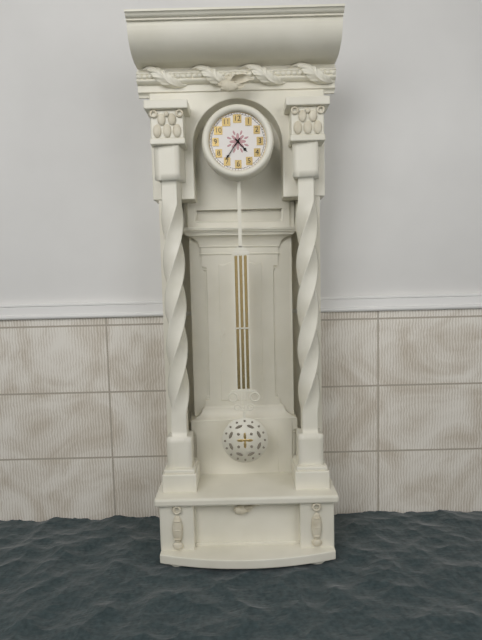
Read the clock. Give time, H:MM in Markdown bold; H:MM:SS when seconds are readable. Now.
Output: **4:36**
